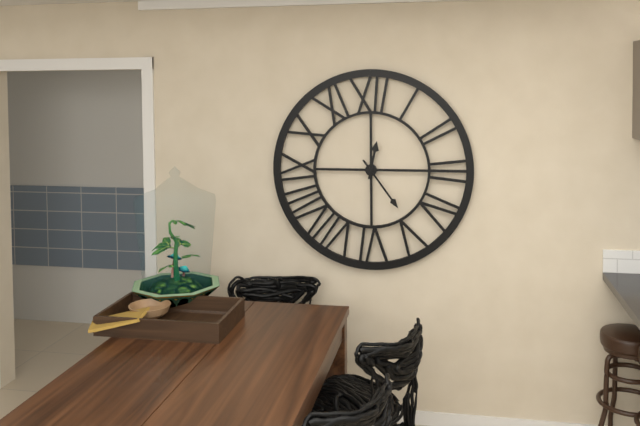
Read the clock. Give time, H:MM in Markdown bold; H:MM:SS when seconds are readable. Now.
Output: **12:24**
